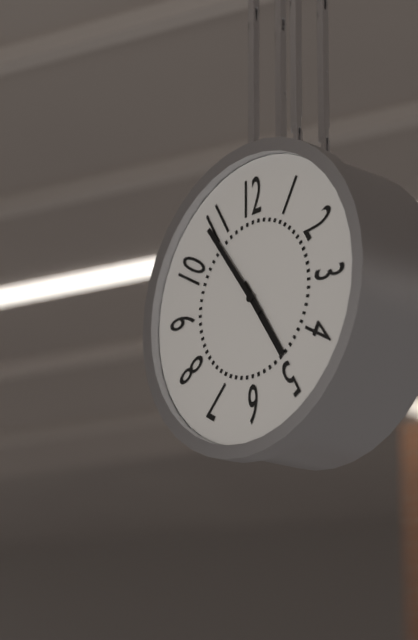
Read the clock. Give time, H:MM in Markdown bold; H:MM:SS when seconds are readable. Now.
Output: **4:54**
